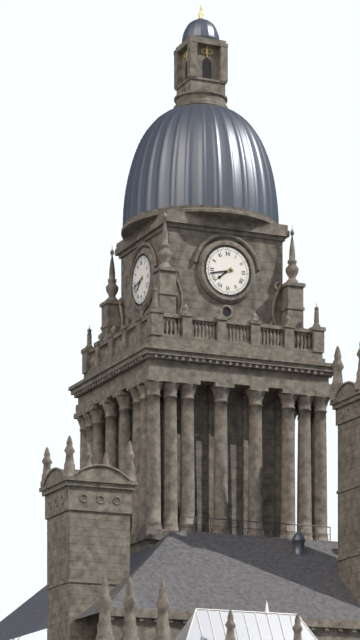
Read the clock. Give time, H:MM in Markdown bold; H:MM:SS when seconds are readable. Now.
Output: **7:43**
